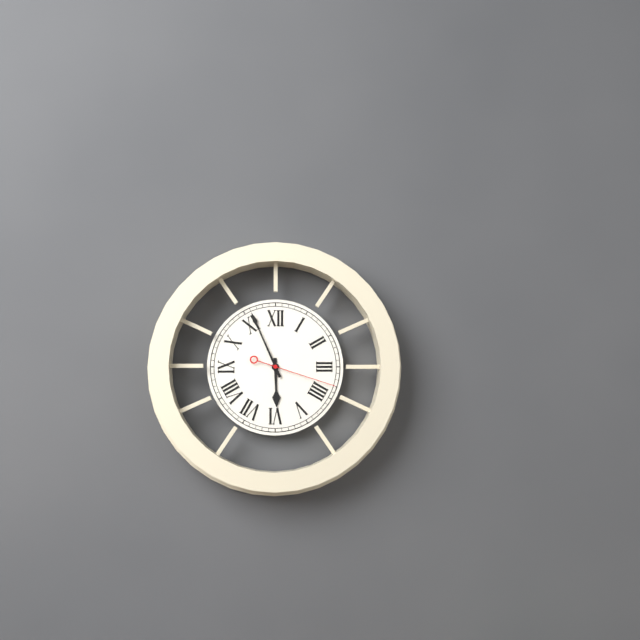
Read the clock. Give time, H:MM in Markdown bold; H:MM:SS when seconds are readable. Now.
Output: **5:56:18**
